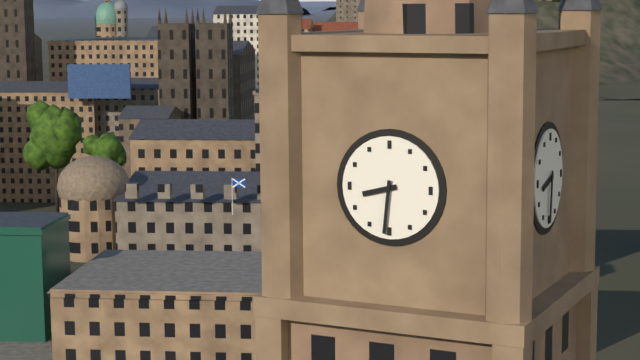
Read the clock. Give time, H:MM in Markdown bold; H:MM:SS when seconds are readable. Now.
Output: **8:31**
